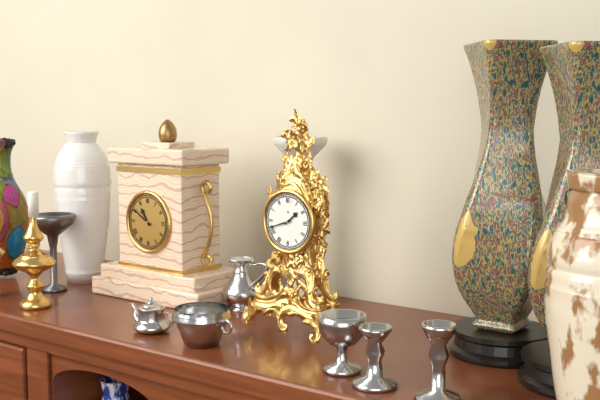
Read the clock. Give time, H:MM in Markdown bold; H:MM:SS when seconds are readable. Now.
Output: **1:42**
